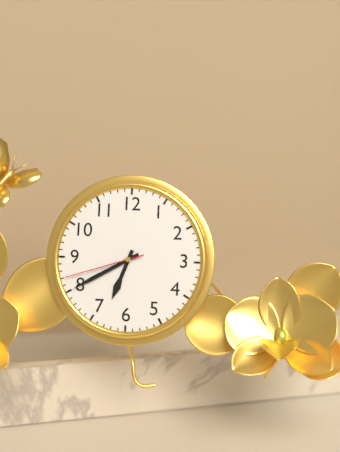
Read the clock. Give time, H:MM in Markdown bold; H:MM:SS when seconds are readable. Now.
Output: **6:40:42**
